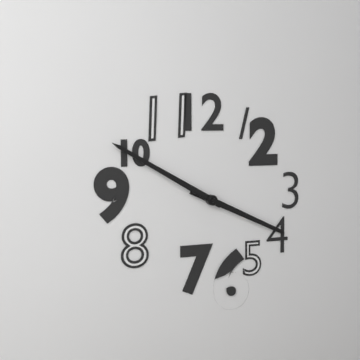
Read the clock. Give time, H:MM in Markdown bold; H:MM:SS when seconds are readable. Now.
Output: **3:50**
